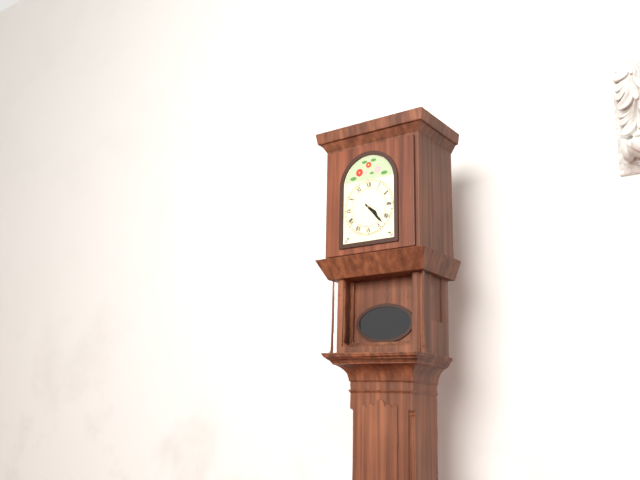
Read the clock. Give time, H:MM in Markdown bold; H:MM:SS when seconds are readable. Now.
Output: **4:23**
